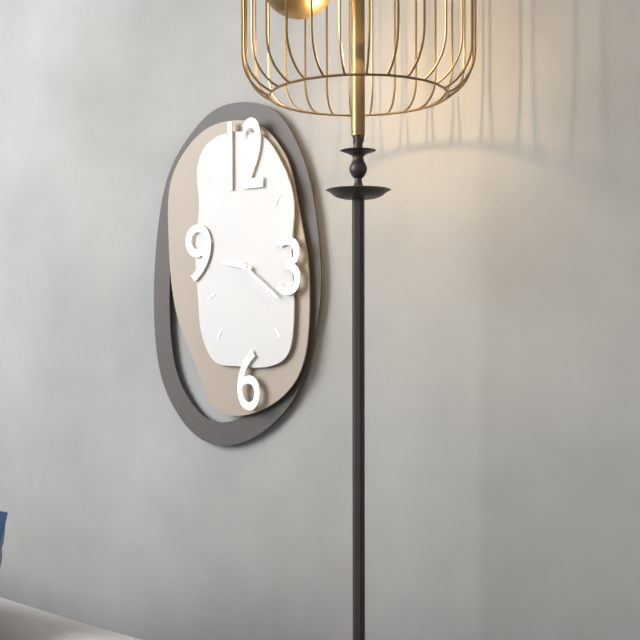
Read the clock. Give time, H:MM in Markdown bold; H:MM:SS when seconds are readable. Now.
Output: **9:21**
